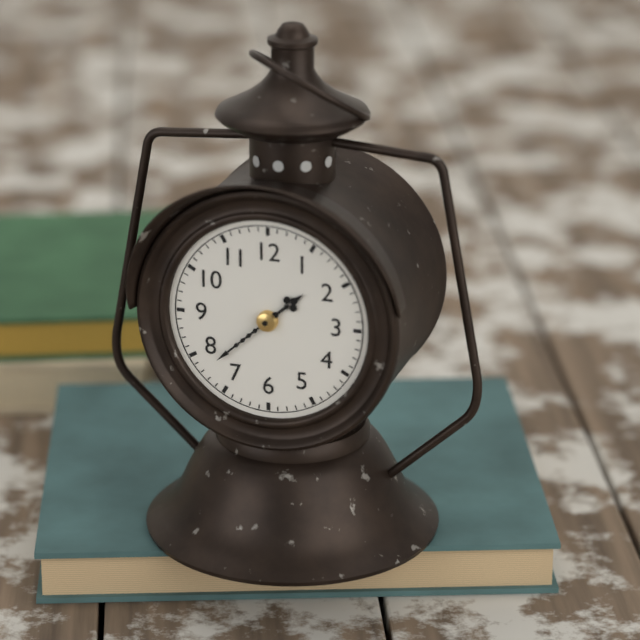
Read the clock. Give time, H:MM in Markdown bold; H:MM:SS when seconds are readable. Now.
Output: **1:38**
